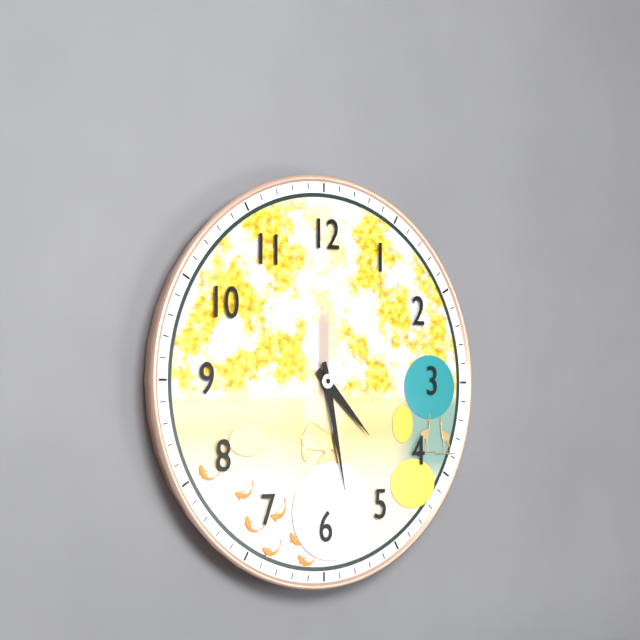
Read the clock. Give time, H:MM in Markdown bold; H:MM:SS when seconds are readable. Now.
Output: **4:28**
